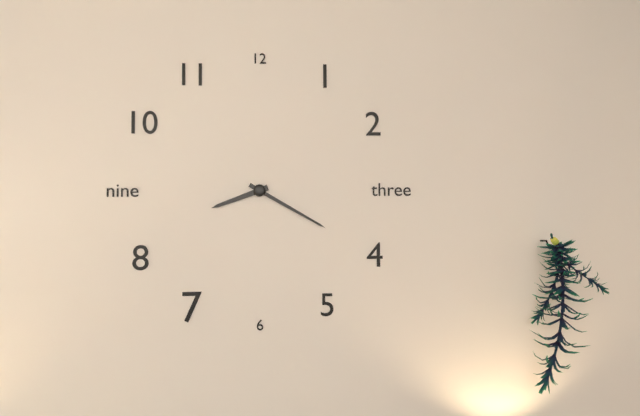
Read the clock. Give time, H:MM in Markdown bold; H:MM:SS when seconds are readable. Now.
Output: **8:20**
